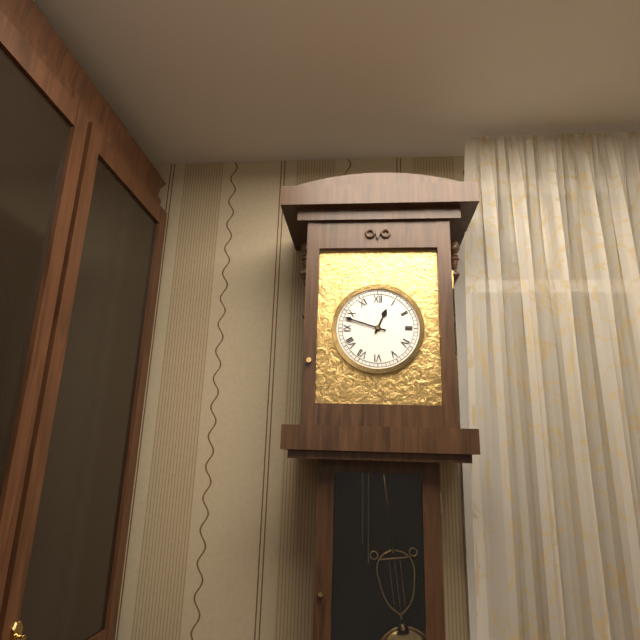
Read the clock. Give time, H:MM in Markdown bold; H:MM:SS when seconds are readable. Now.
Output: **12:48**
